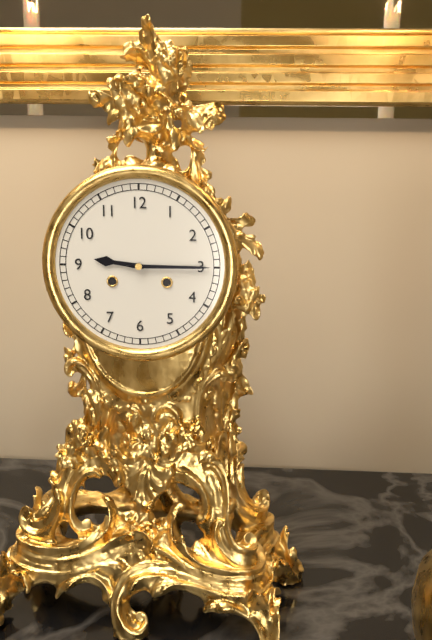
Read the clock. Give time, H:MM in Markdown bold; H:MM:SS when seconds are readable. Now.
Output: **9:15**
